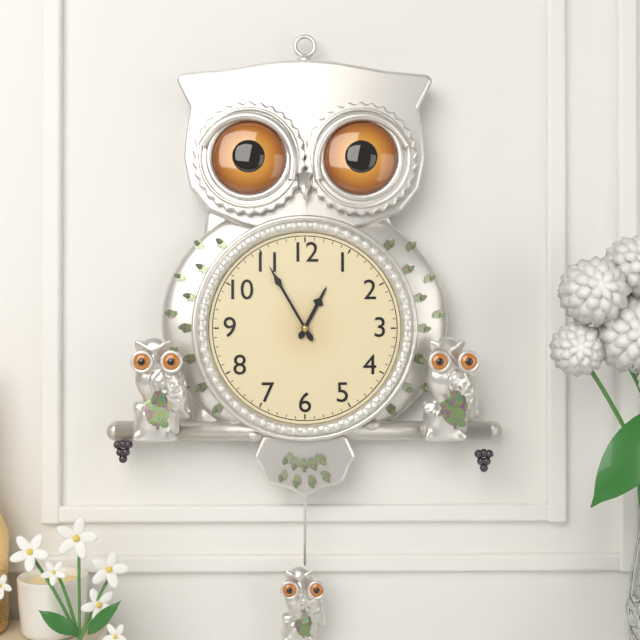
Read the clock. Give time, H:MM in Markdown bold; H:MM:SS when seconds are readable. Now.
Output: **12:55**
